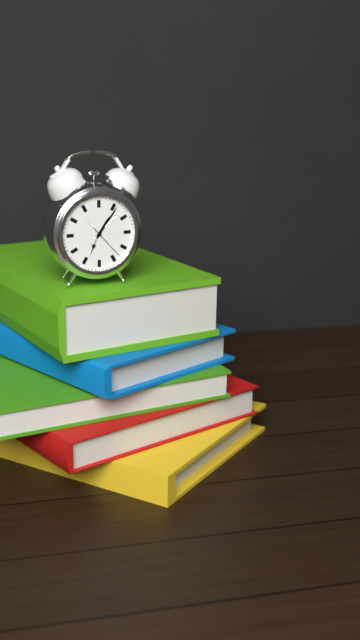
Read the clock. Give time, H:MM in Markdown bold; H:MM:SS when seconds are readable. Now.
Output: **1:06**
